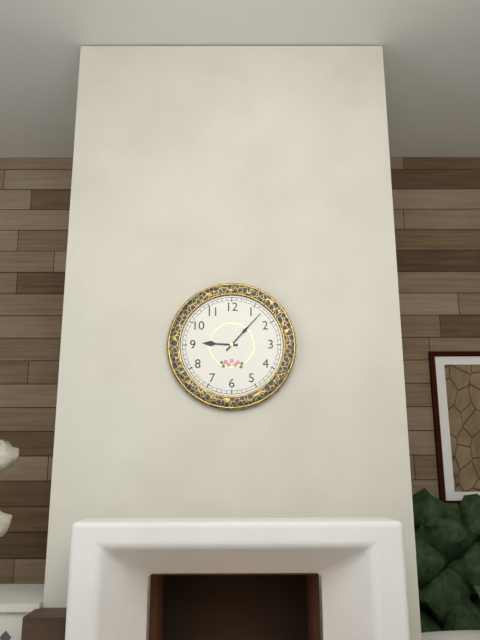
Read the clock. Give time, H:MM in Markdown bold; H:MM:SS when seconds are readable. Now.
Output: **9:07**
